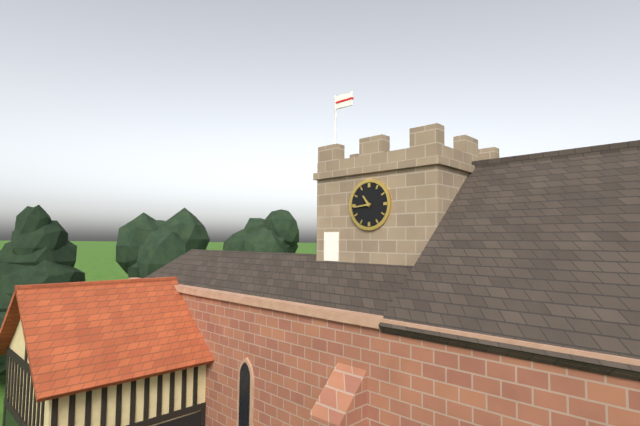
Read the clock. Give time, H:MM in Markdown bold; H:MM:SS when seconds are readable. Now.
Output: **10:44**
